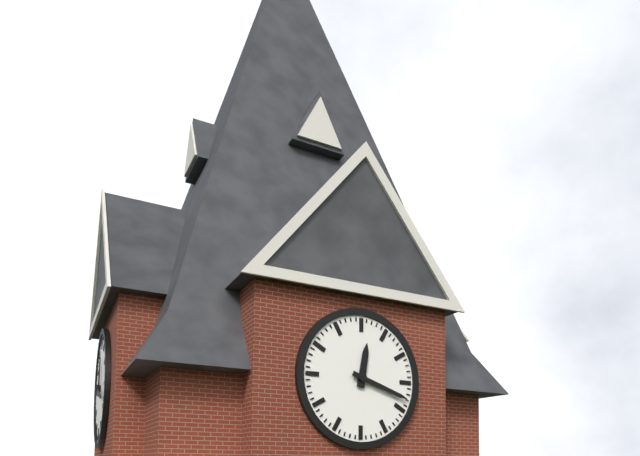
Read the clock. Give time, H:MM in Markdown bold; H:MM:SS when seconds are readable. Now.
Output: **12:18**
